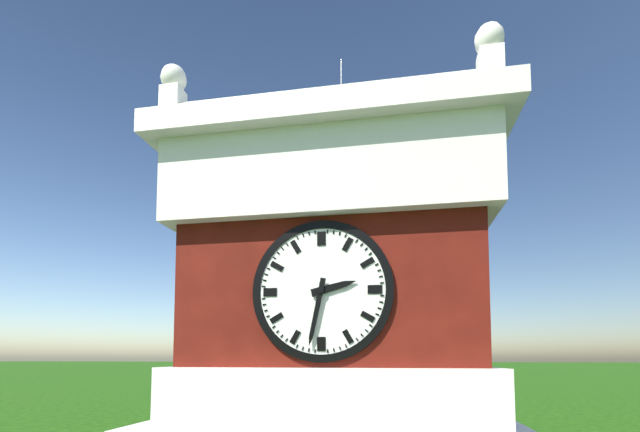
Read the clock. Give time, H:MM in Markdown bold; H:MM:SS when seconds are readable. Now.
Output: **2:32**
